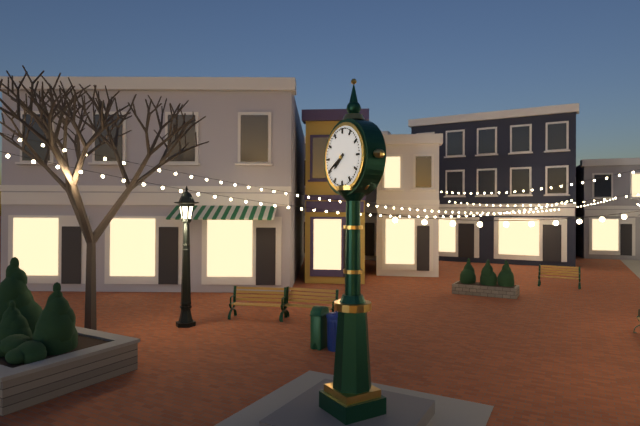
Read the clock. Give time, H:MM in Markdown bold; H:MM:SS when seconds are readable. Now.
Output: **7:40**
